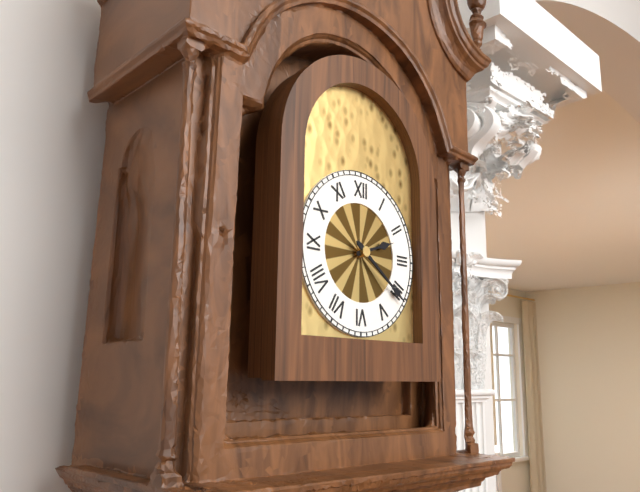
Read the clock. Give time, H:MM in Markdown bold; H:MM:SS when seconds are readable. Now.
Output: **2:21**
